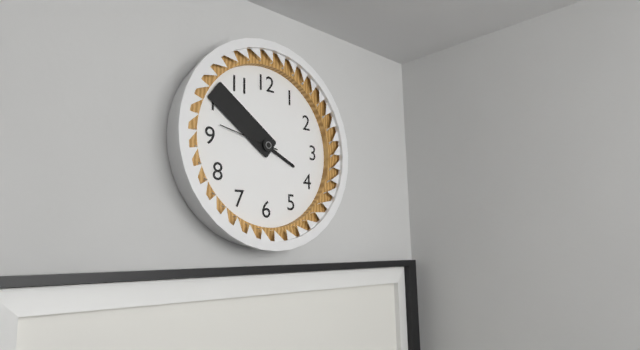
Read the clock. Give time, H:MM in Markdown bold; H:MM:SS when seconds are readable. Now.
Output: **3:51:47**
